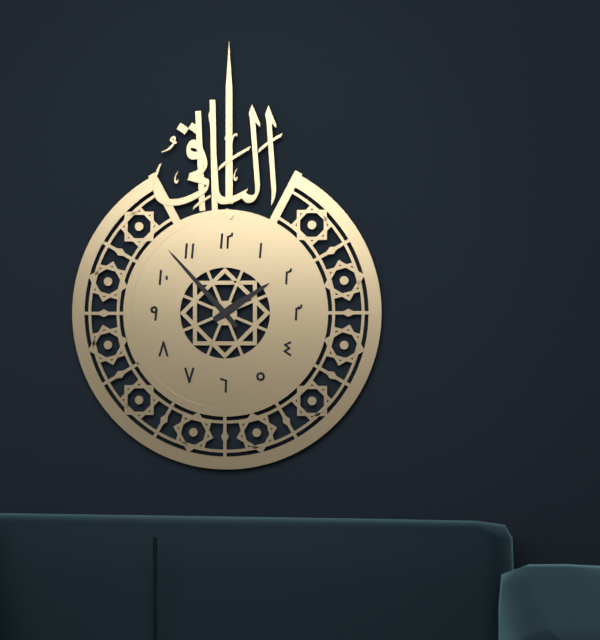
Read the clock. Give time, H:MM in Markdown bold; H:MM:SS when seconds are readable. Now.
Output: **1:53**
